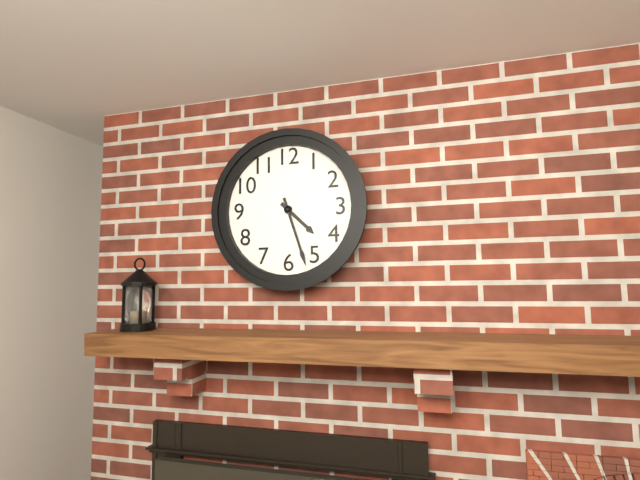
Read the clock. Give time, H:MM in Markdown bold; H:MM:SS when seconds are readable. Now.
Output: **4:27**
